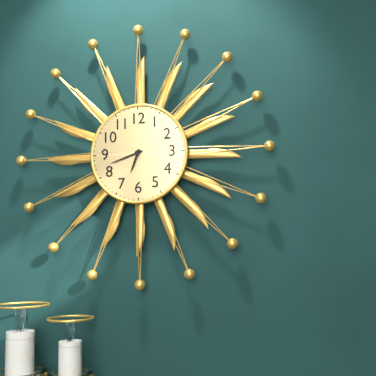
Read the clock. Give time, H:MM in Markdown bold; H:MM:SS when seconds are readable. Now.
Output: **6:42**
